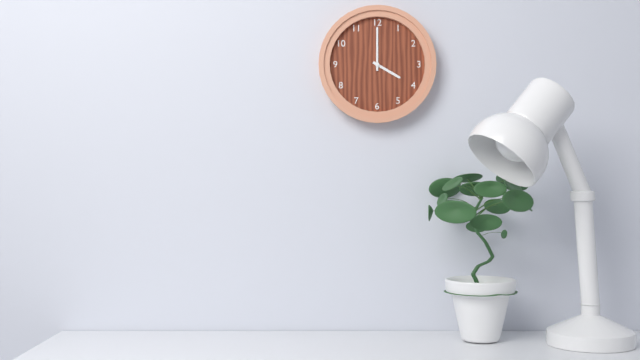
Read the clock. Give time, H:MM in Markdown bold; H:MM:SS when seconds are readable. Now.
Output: **4:00**
